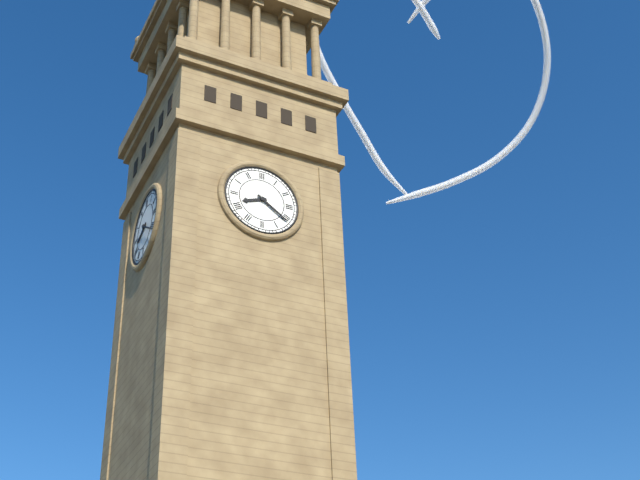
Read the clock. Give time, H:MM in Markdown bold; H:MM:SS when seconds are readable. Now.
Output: **8:21**
